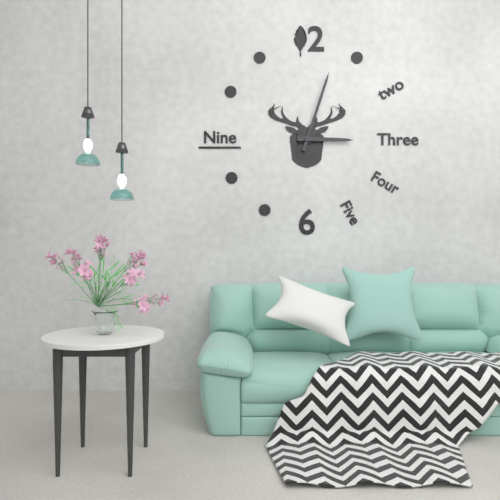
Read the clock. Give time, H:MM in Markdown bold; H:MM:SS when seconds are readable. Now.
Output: **3:03**
